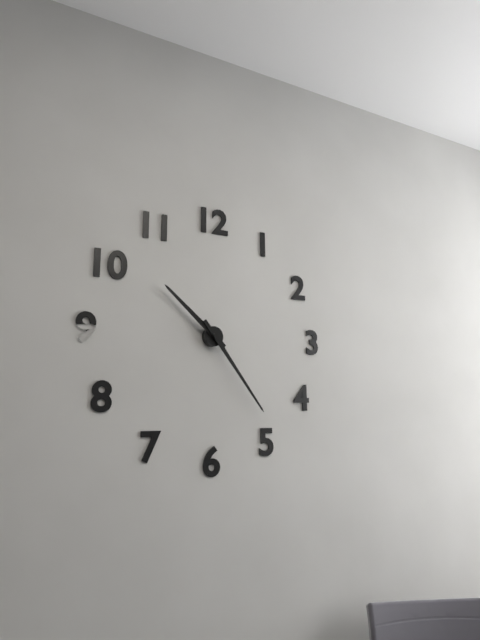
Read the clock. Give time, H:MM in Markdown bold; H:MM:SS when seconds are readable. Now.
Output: **10:24**
